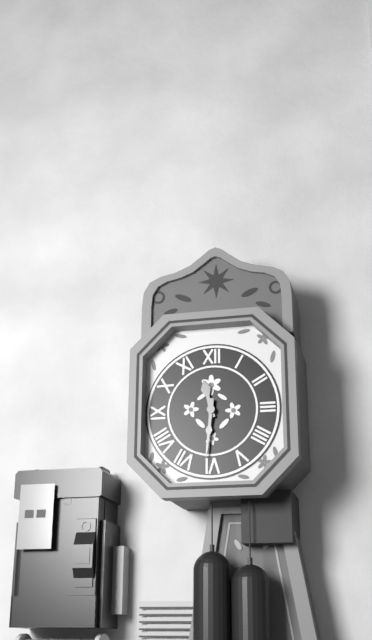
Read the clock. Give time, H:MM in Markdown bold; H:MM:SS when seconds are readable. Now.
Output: **11:31**
